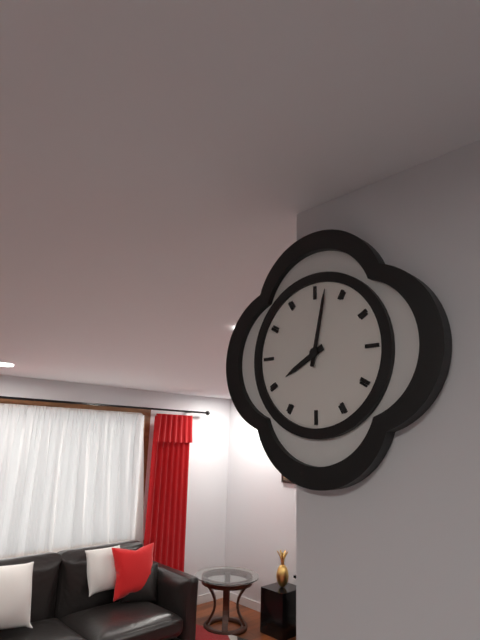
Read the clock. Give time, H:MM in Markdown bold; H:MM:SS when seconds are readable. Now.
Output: **8:02**
